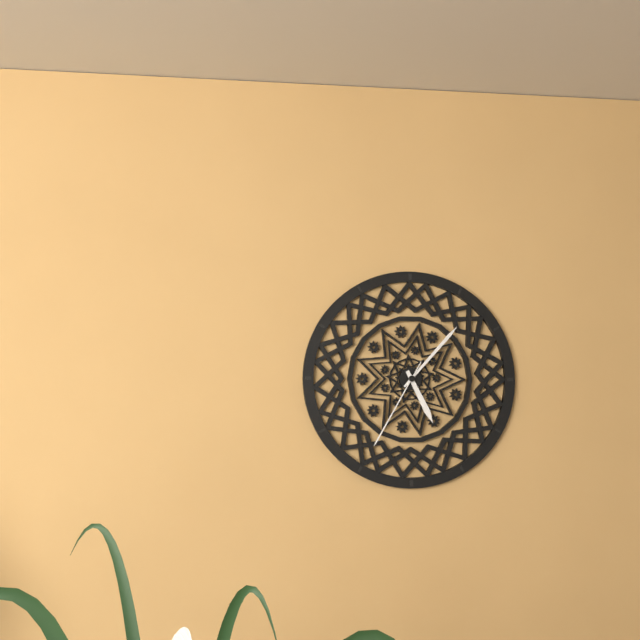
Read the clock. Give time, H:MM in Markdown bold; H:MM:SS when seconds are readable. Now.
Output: **5:07:35**
